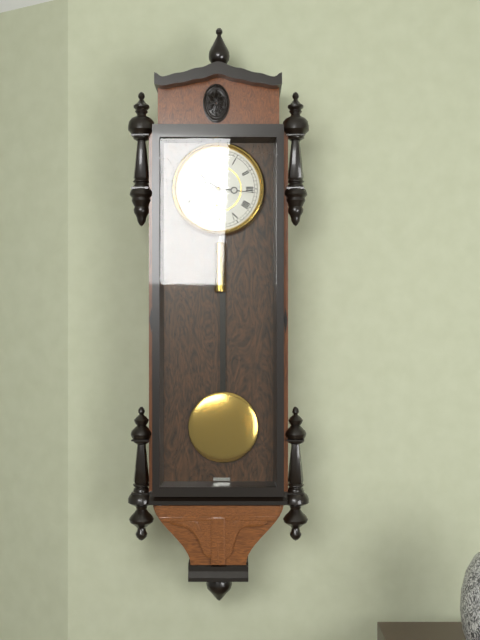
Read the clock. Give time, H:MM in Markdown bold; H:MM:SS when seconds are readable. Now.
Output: **10:16**
